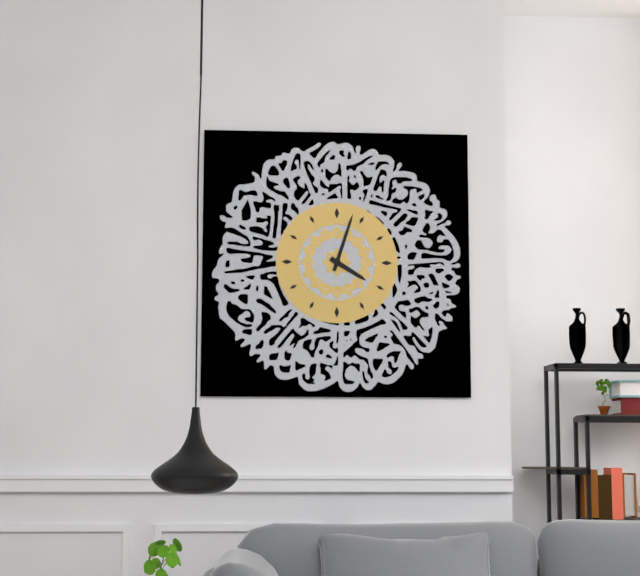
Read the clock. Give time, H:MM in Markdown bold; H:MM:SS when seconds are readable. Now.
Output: **4:03**
